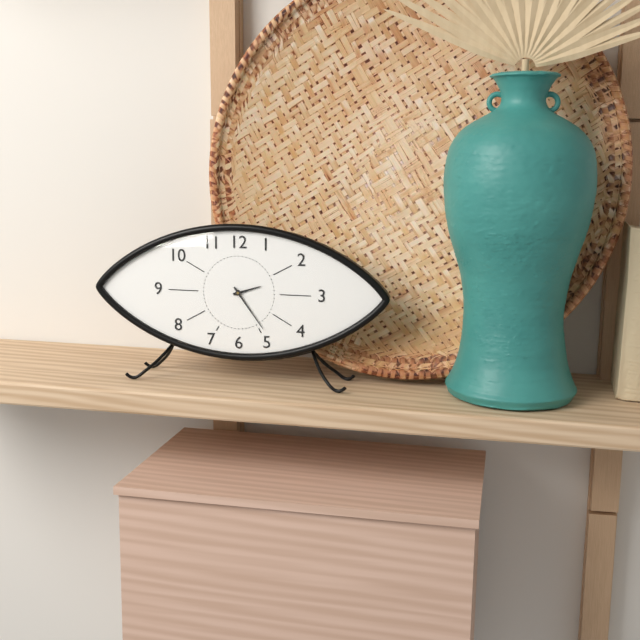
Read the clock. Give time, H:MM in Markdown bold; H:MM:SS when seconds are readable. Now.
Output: **2:24**
